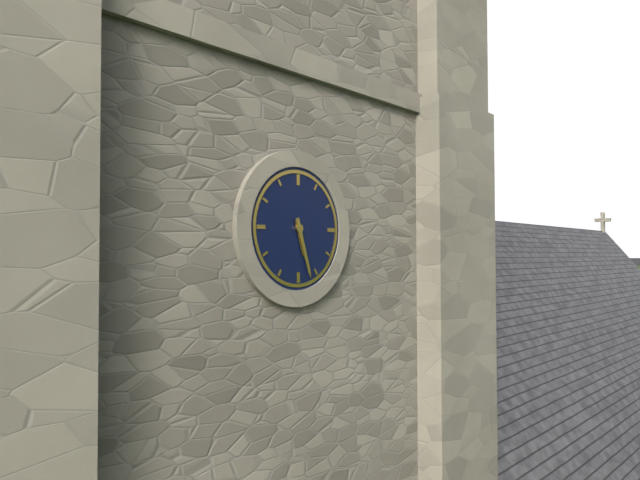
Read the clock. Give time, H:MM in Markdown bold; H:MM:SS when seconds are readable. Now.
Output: **5:27**
